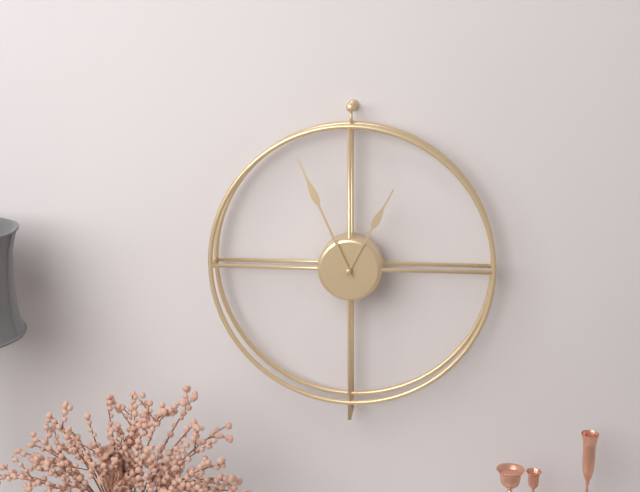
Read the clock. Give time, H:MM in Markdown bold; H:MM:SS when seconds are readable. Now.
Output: **12:56**
